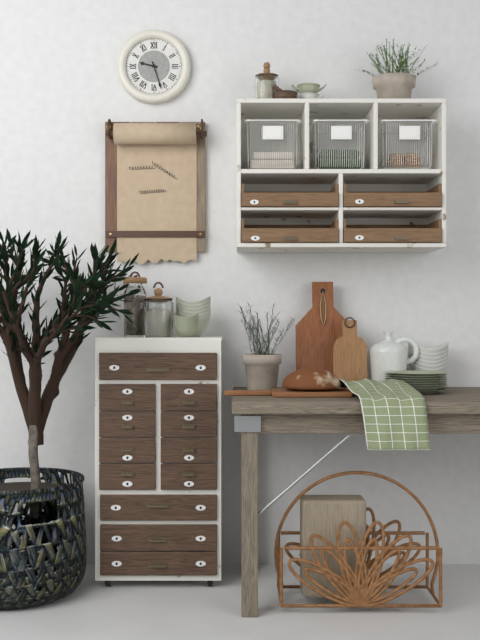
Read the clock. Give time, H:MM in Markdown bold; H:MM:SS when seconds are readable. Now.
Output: **9:27**
